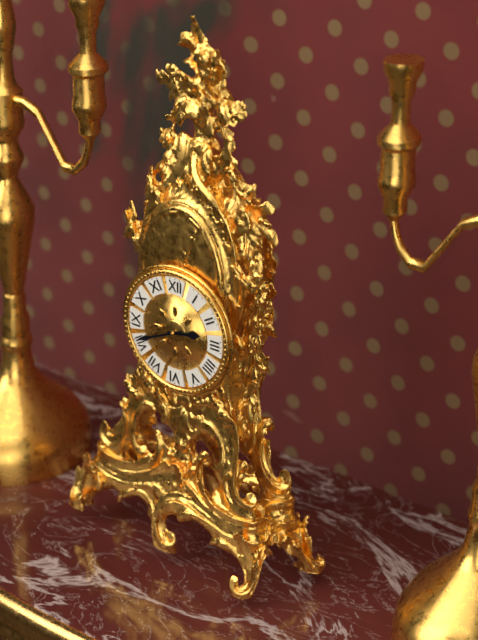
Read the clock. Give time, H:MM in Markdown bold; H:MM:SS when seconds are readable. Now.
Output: **2:41**
